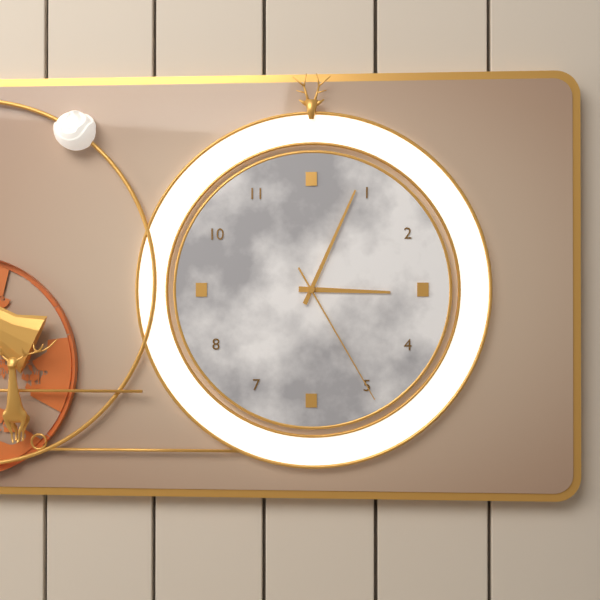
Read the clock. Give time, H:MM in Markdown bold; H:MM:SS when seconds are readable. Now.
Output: **3:04:25**
